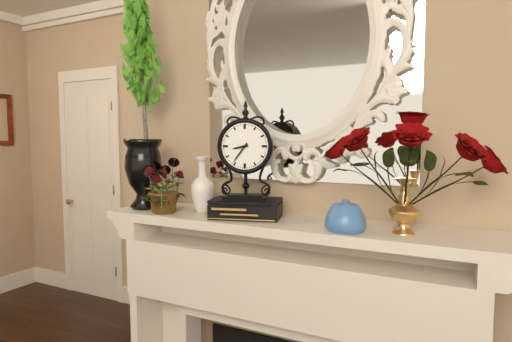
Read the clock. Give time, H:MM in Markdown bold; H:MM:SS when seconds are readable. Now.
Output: **8:36**
